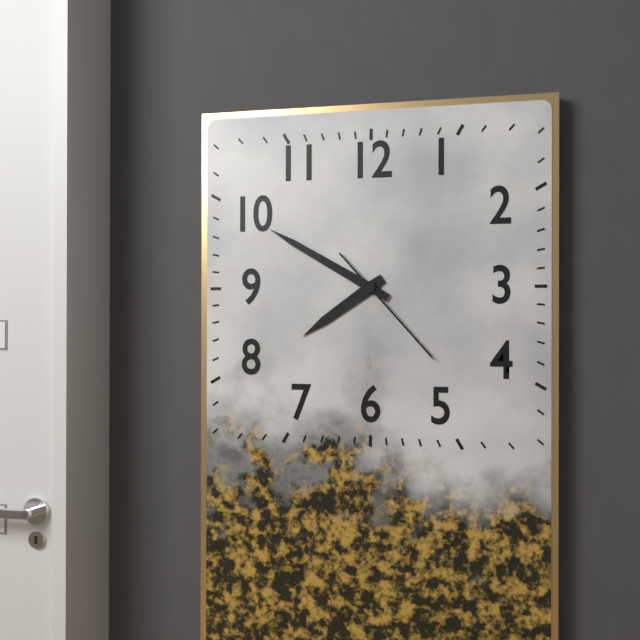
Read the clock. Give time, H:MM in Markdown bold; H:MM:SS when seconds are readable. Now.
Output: **7:50:23**
